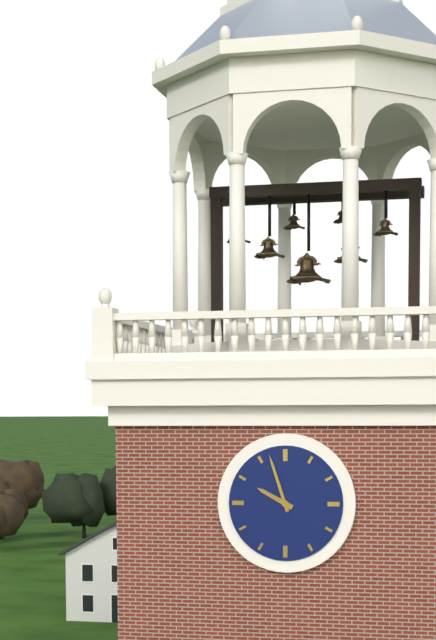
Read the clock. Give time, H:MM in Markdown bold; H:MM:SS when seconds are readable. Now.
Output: **9:57**
